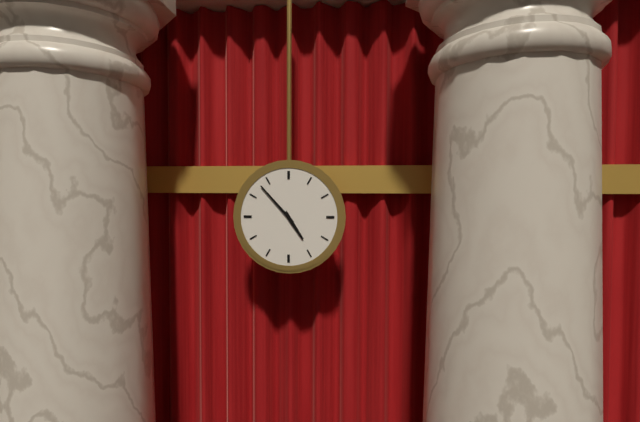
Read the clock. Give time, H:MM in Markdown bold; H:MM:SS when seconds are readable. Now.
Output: **4:53**
